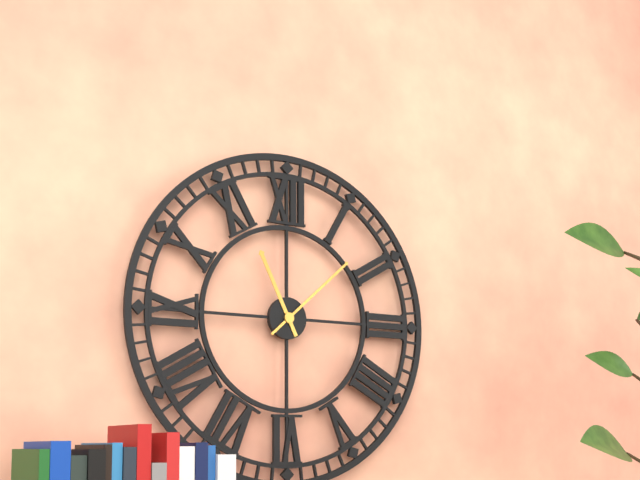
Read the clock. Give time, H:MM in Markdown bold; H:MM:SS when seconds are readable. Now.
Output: **11:08**
